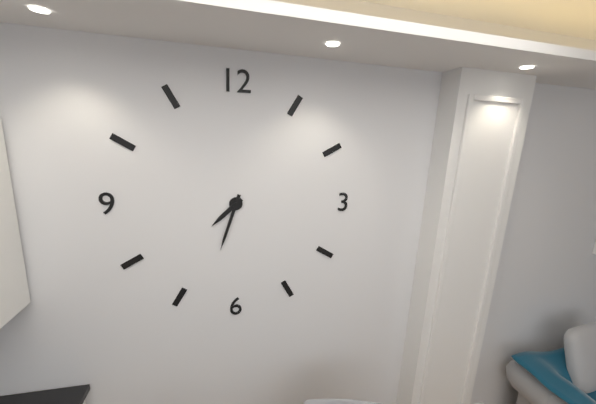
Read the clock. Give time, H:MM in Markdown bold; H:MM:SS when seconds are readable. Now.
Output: **7:33**
